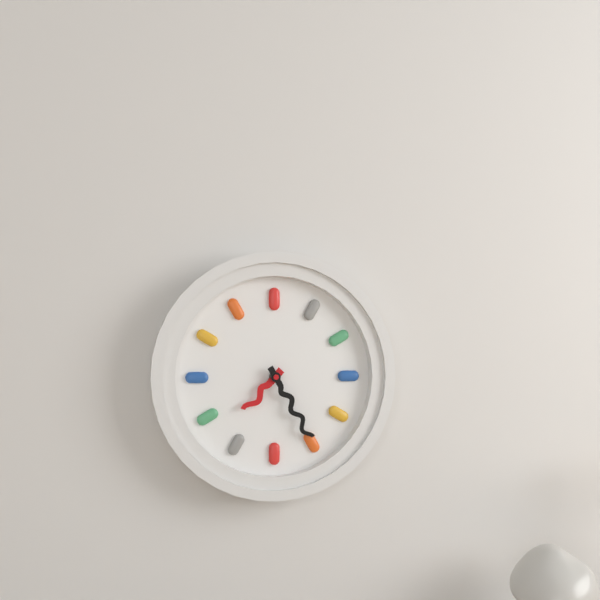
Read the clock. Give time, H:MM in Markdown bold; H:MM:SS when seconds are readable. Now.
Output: **7:25**
